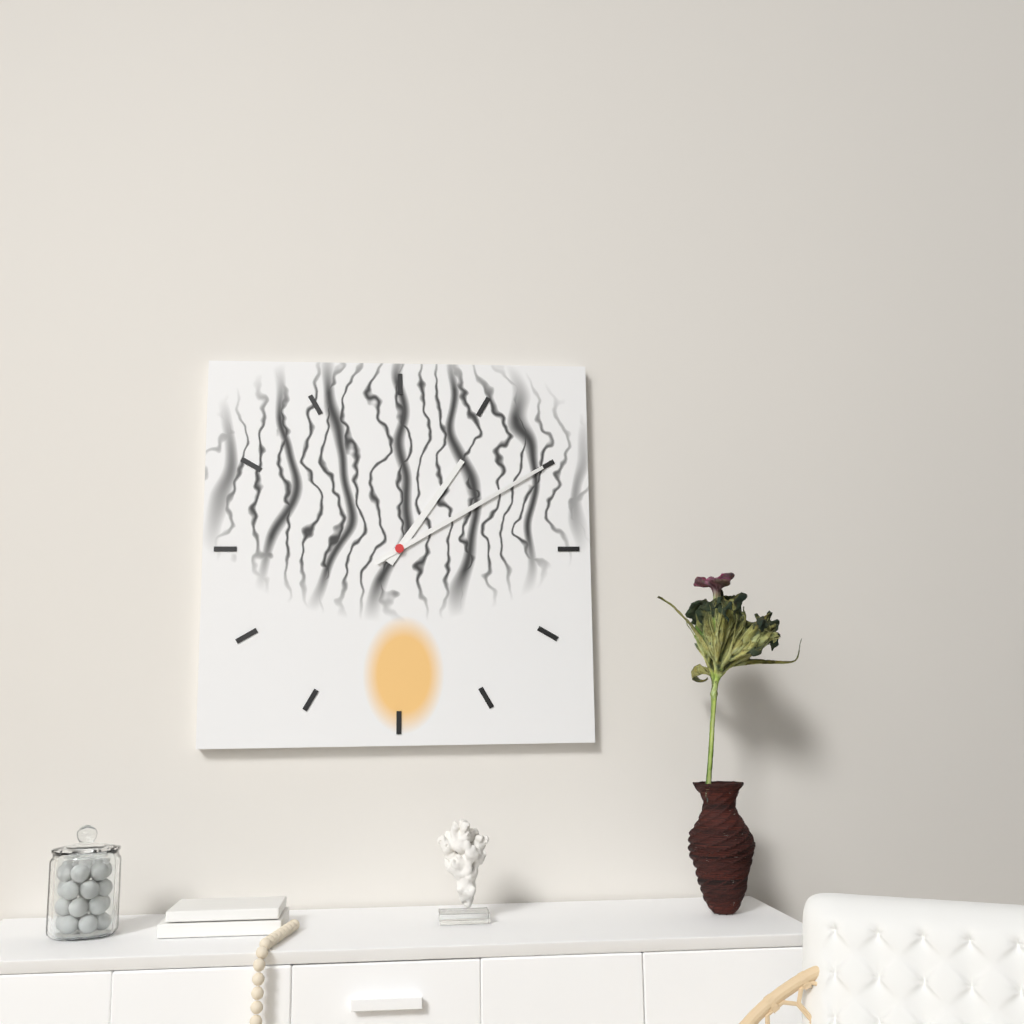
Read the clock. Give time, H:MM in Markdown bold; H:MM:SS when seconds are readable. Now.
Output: **1:10**
